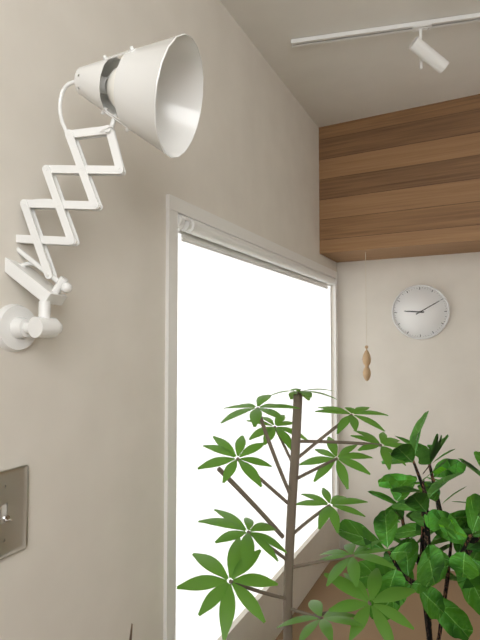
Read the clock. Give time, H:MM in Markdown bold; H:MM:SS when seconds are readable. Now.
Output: **9:10**
